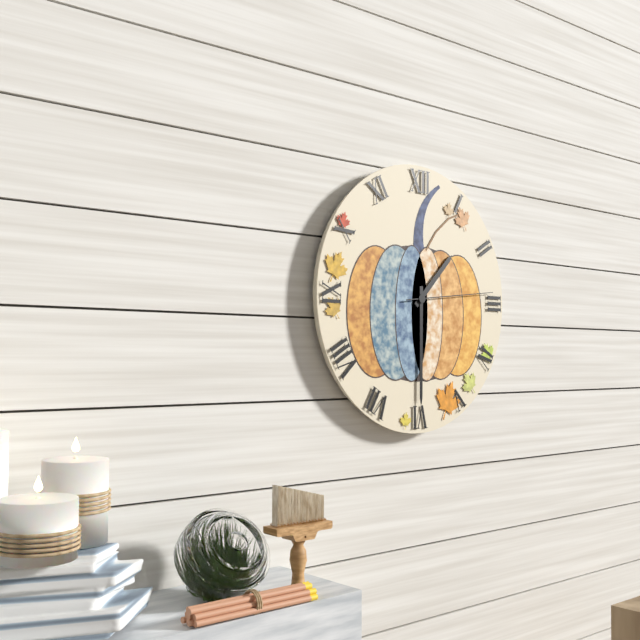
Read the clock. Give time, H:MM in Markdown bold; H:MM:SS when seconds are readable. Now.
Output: **1:30:14**
